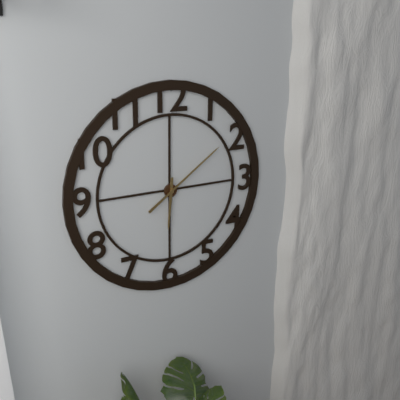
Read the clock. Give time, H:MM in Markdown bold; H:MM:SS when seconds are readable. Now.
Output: **6:09**
